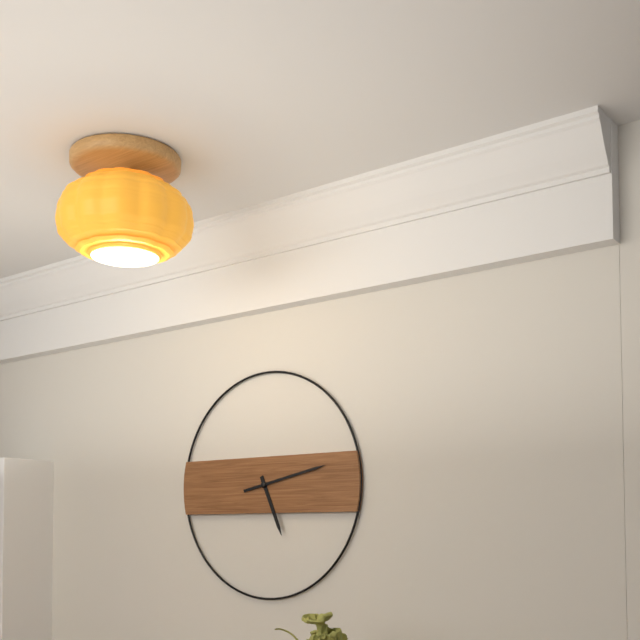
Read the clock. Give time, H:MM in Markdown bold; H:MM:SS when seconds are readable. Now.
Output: **5:13**
